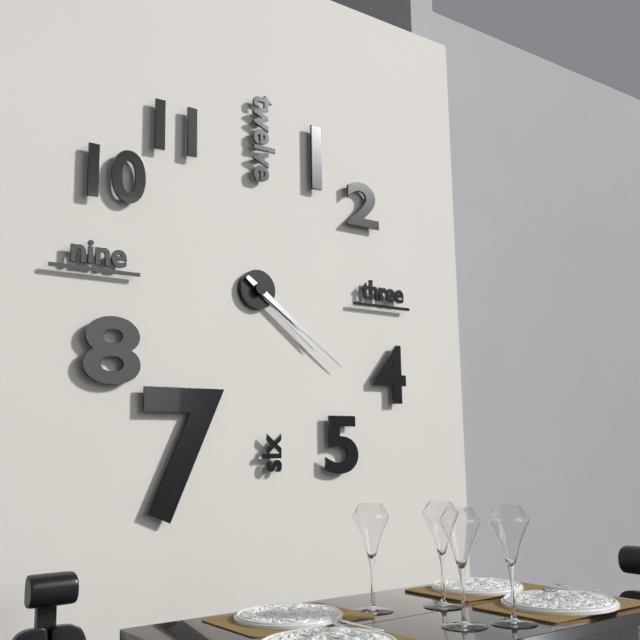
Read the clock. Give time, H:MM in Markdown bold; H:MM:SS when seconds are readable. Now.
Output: **4:21**
